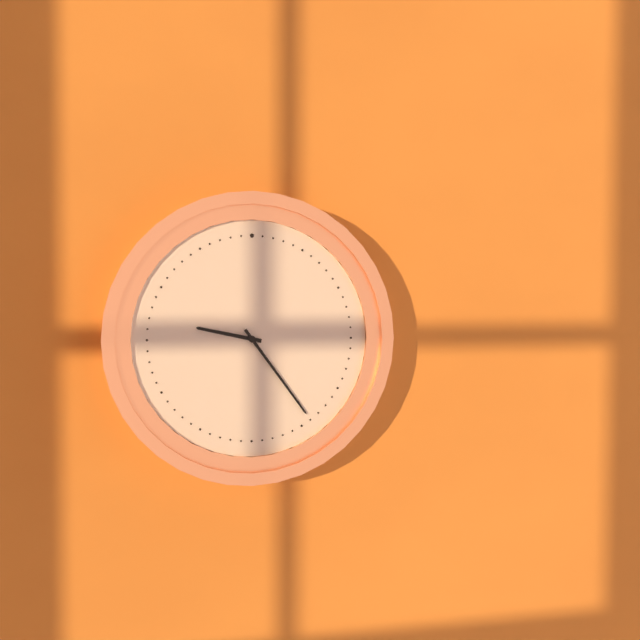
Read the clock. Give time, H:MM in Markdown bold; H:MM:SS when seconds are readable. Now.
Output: **9:24**
